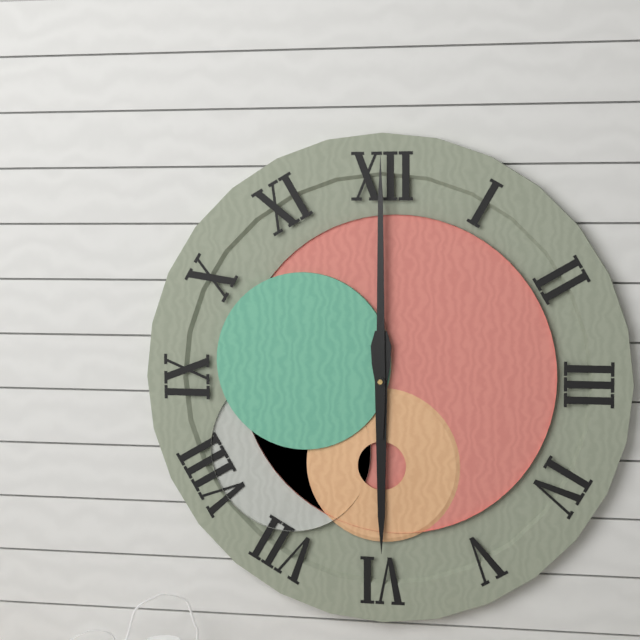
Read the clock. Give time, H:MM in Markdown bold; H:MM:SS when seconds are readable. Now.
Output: **6:00**
